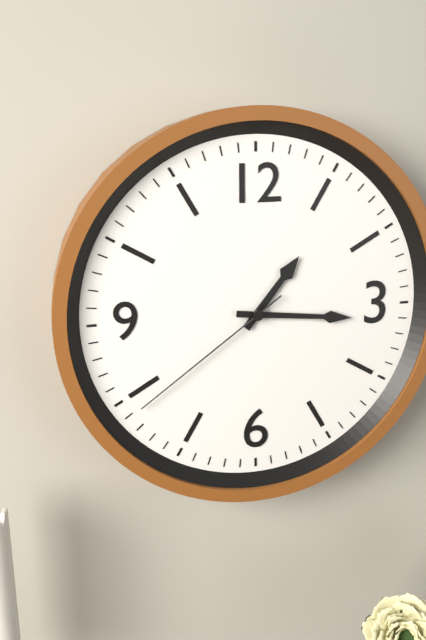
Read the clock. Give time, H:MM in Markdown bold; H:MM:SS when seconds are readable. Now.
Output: **1:16:39**
